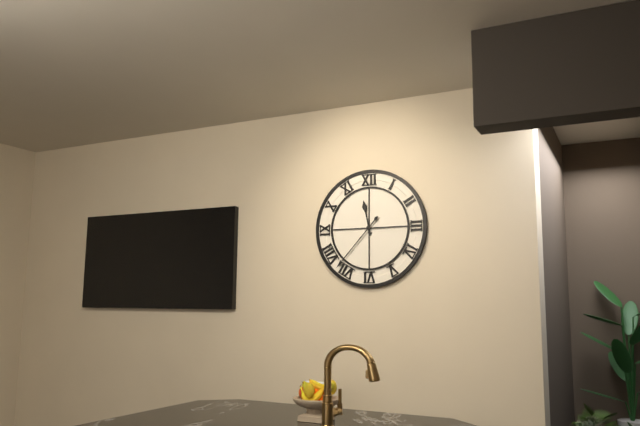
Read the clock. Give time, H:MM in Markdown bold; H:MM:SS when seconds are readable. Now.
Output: **11:37**
